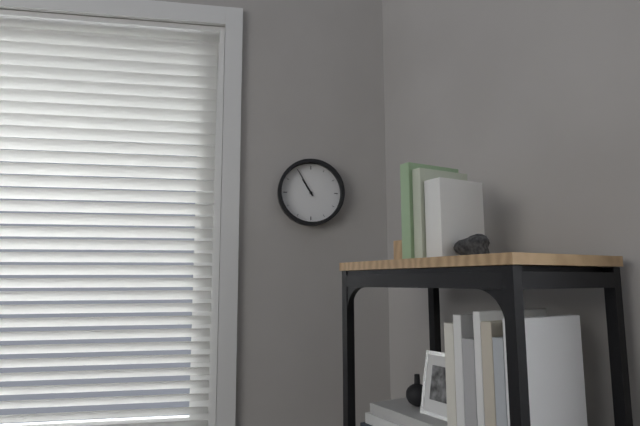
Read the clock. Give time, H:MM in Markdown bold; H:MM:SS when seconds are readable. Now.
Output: **10:55**
